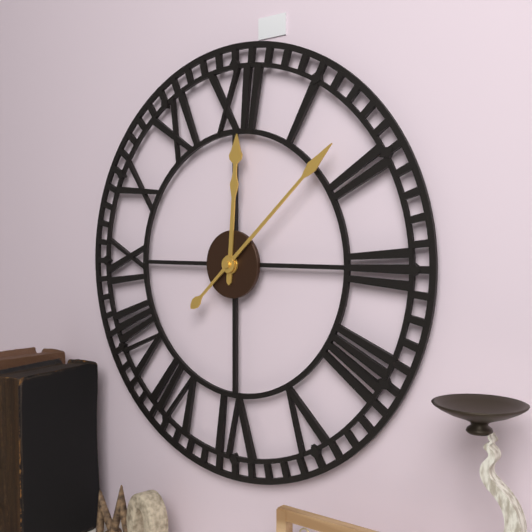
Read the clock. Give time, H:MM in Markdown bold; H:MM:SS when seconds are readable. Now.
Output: **12:08**
